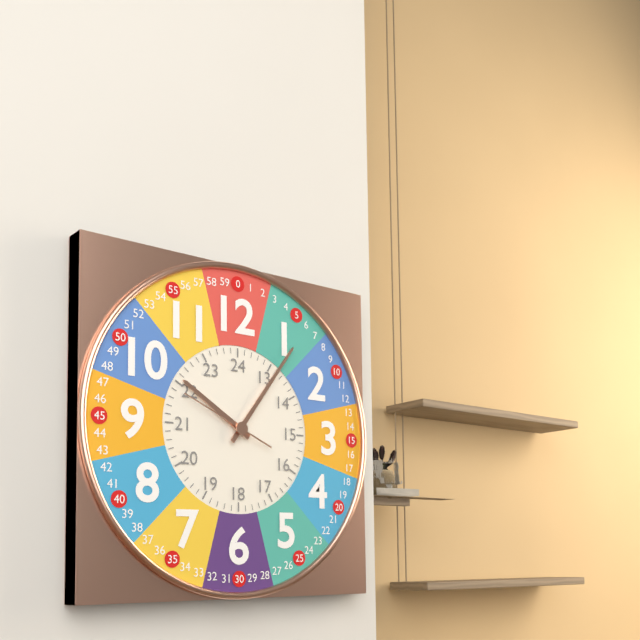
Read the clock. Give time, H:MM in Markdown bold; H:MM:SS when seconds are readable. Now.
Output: **10:06:49**
